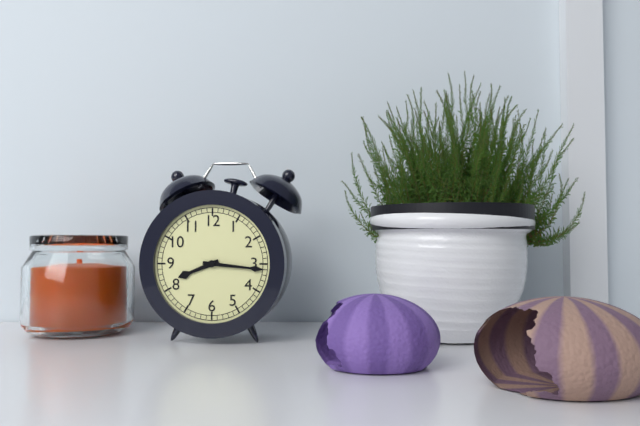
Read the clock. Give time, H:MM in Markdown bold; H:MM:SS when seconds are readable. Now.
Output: **8:16**
